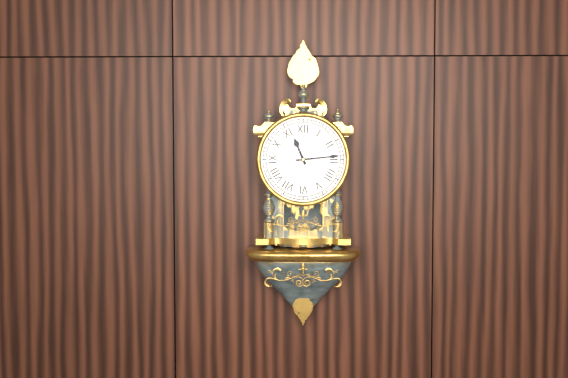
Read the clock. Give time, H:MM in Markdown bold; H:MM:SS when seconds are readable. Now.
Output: **11:14**
